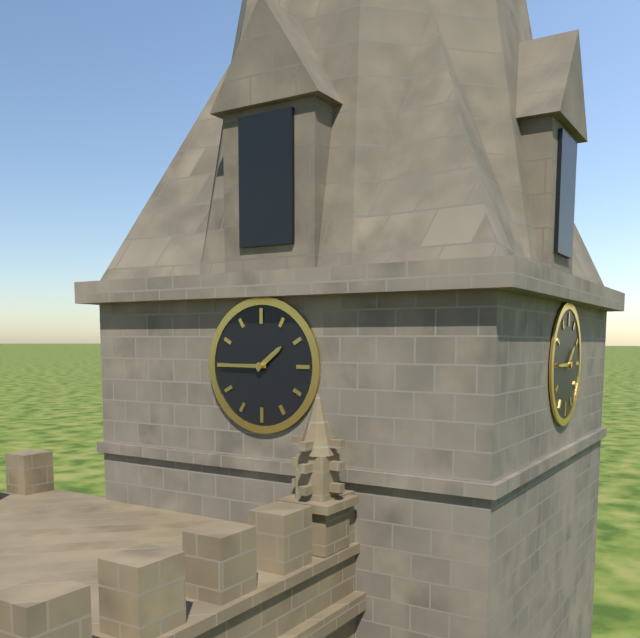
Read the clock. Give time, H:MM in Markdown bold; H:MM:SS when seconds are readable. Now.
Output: **1:45**
